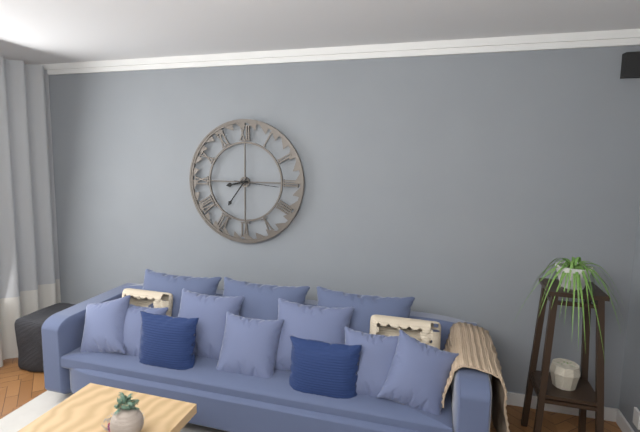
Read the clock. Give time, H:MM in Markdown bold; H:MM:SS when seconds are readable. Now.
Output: **8:36**
